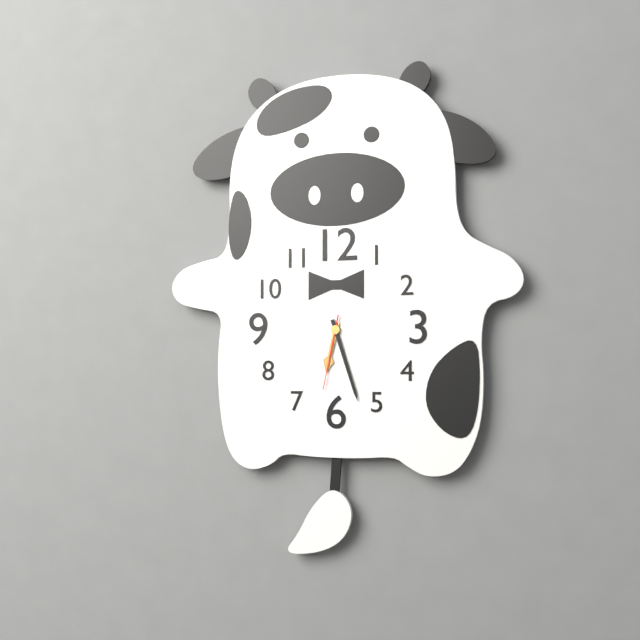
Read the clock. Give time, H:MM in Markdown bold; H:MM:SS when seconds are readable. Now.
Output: **6:27:32**
